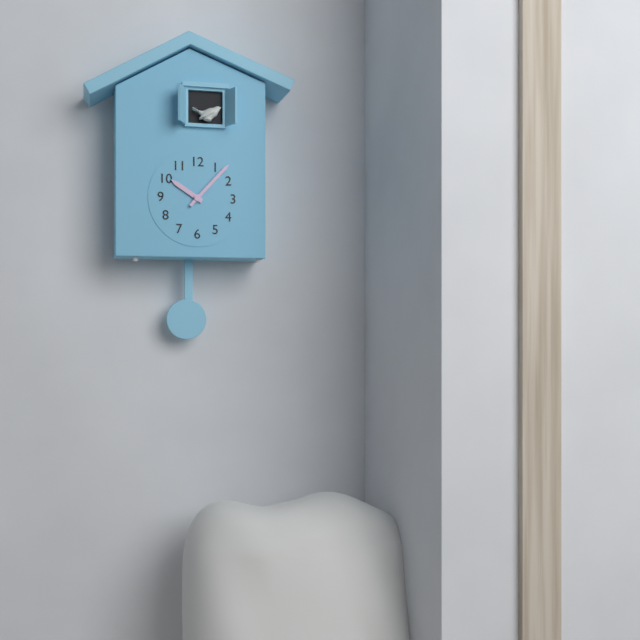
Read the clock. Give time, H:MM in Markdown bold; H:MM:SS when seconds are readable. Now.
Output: **10:07**
